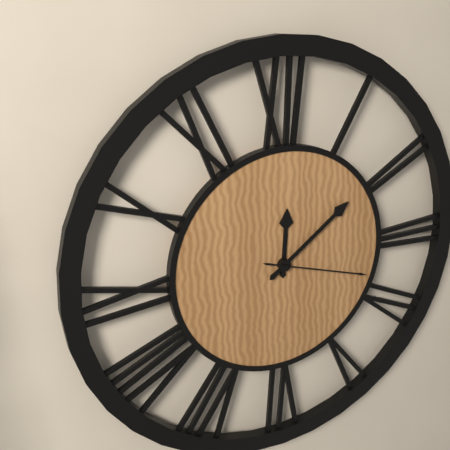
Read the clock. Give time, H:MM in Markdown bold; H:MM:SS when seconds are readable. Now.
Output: **12:09:18**
